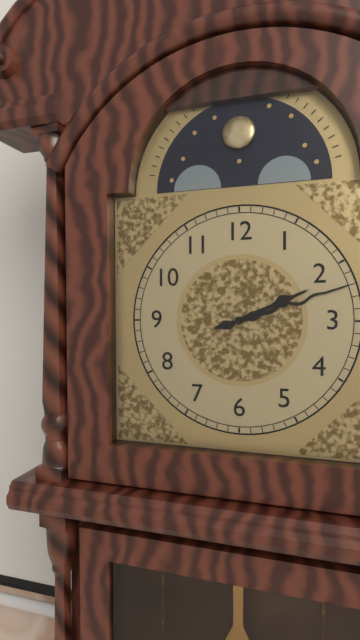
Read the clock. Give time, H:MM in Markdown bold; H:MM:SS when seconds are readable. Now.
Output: **2:12**
